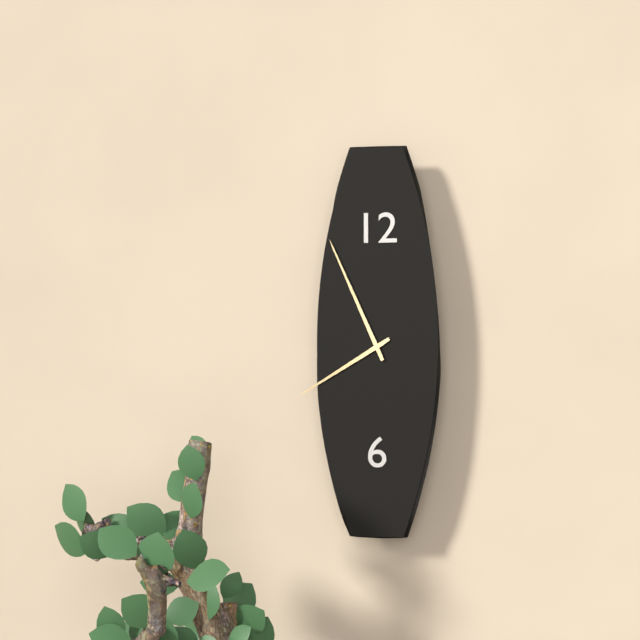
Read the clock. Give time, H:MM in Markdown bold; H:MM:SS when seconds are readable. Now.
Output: **7:56**
